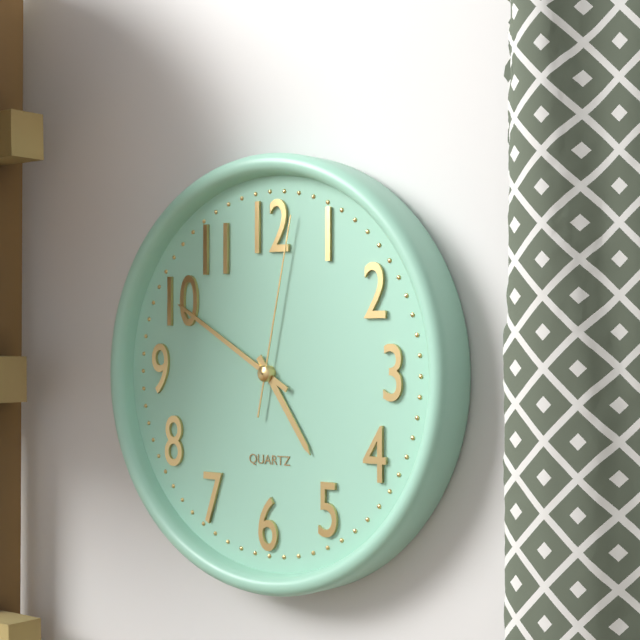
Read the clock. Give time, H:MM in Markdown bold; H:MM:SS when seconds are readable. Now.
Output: **4:50:02**
